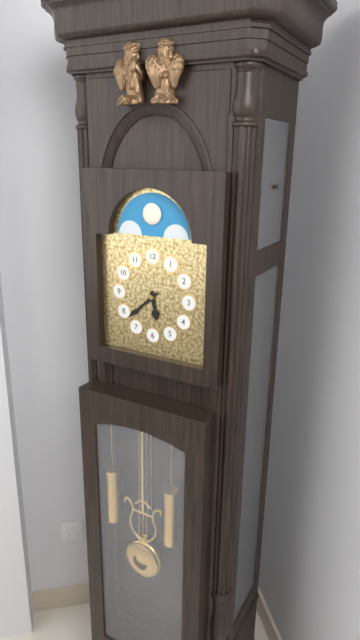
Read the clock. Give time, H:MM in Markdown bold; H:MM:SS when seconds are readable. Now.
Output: **5:38**
